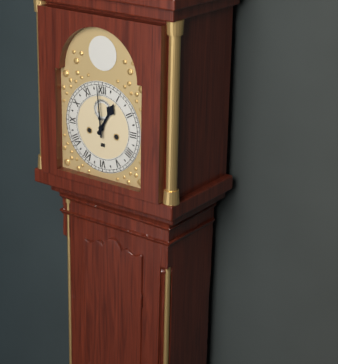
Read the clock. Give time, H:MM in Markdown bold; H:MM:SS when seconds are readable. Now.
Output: **12:59**
